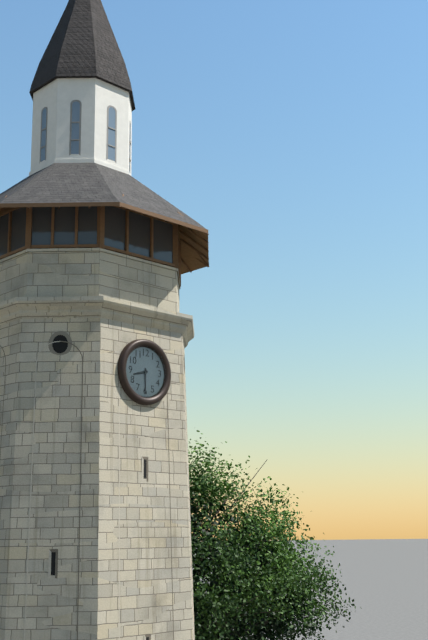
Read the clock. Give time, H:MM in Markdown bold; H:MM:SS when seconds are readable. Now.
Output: **8:30**
